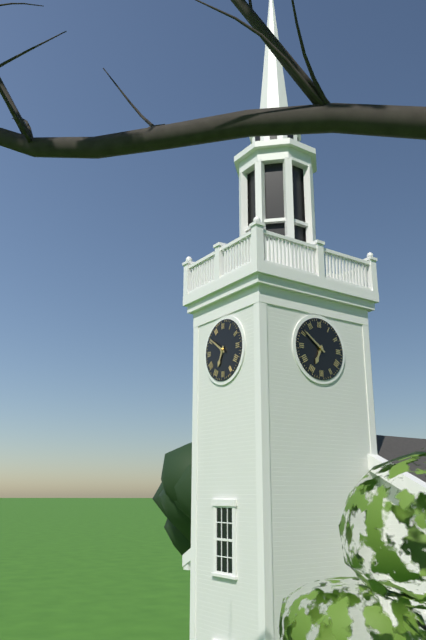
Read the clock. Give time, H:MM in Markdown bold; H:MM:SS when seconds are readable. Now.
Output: **6:51**
